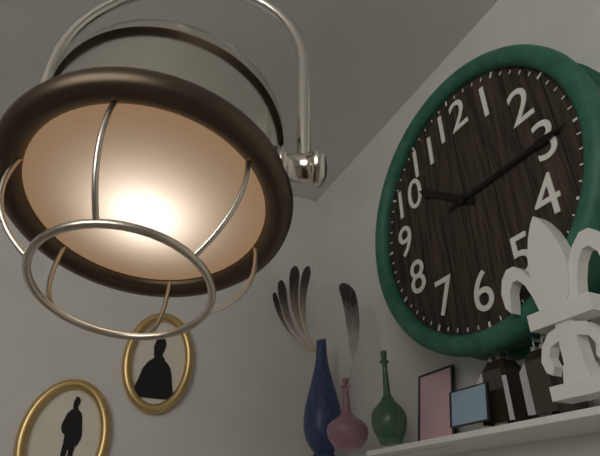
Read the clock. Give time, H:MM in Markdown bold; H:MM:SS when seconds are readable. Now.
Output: **10:15**
